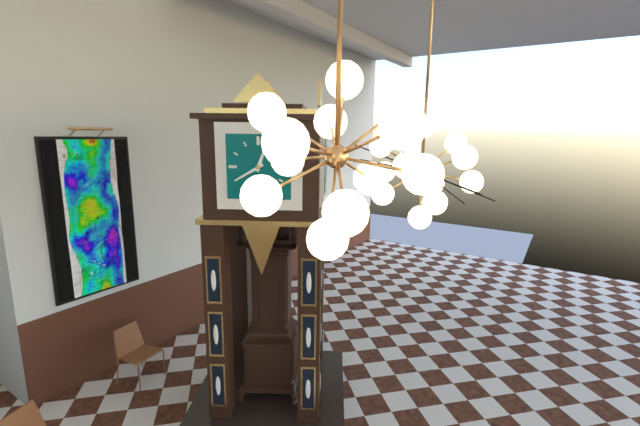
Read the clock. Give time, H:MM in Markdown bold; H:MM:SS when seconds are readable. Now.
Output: **12:40**
